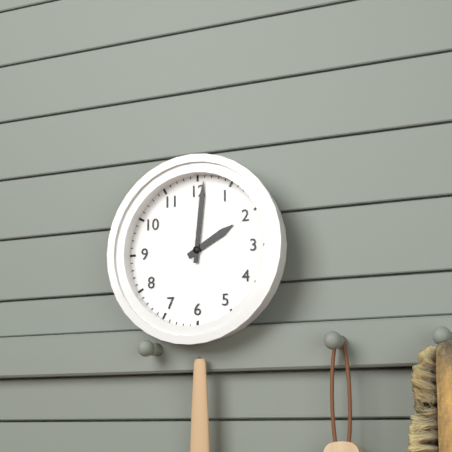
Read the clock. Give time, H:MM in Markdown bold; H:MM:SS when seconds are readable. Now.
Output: **2:01**
